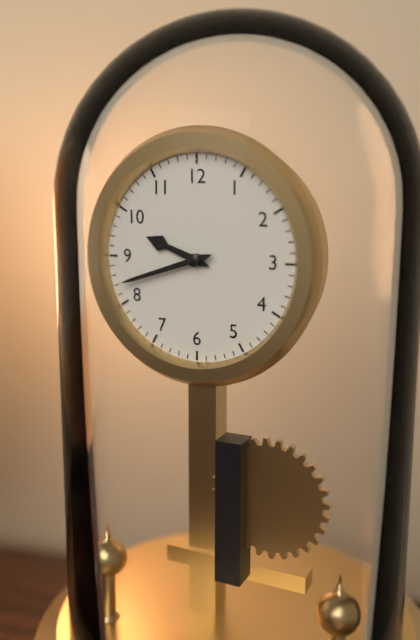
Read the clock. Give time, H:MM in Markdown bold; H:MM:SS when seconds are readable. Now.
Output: **9:42**
